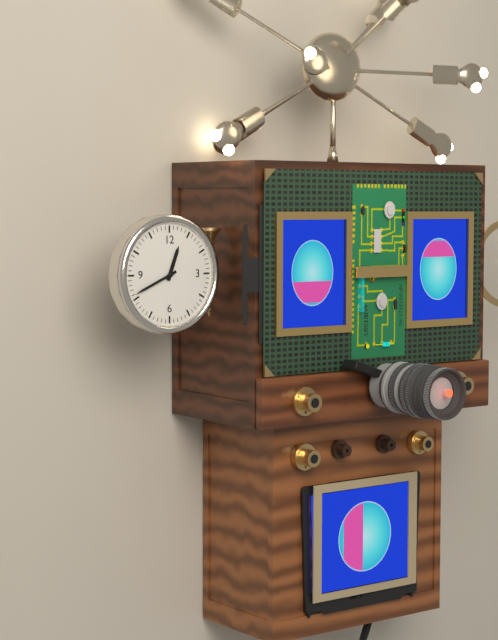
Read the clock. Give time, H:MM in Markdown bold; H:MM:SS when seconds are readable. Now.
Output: **12:41**
